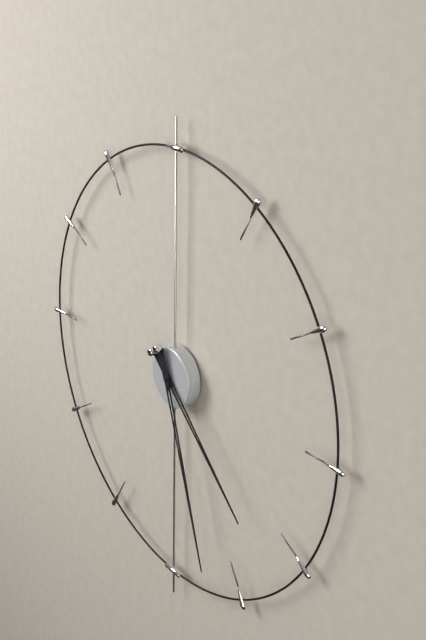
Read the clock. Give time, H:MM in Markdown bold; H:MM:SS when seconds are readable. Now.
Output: **4:27**
